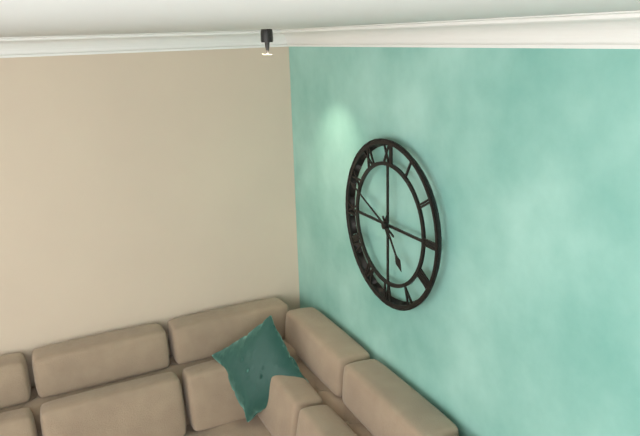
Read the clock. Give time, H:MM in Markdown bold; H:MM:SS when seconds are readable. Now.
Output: **4:49**
